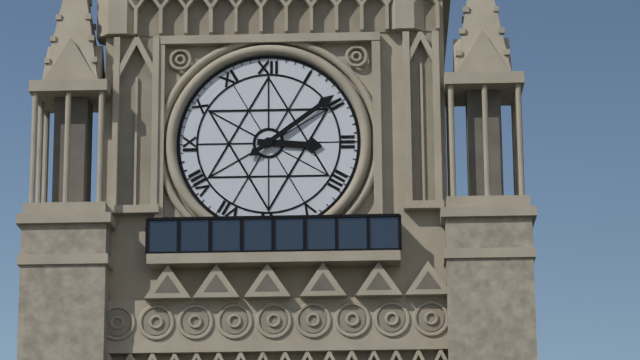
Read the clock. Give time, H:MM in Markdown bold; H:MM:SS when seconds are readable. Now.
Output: **3:09**
